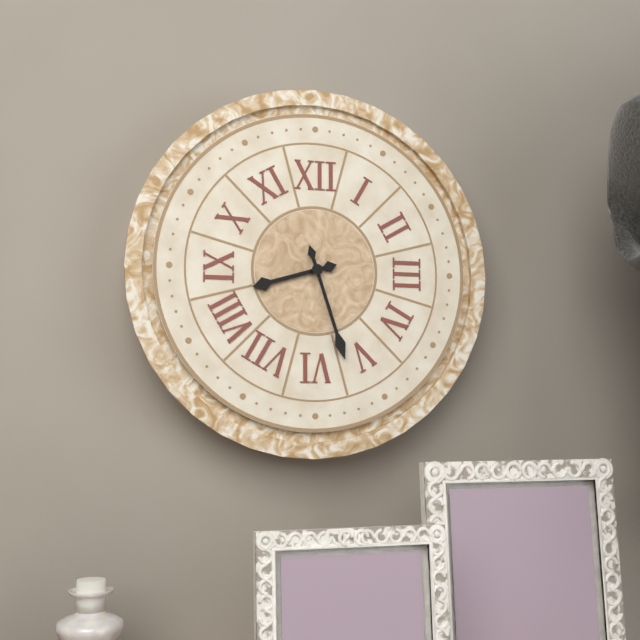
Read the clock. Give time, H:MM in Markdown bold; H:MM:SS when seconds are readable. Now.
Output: **8:27**
